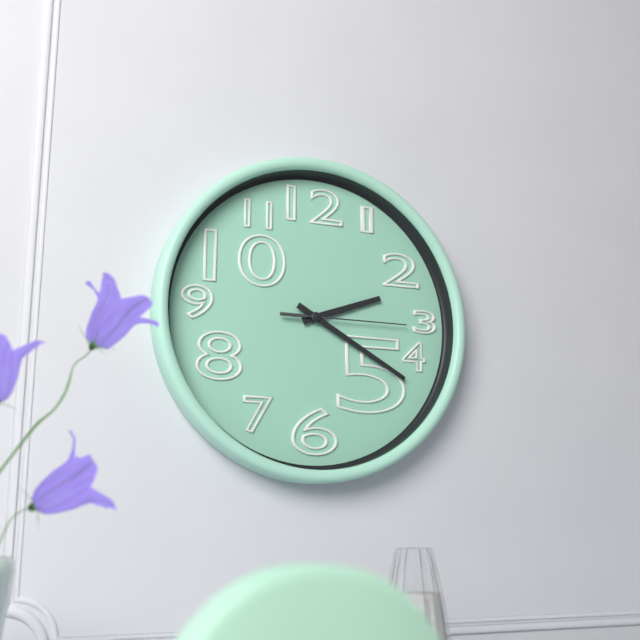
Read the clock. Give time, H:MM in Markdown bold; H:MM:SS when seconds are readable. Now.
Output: **2:20:15**
